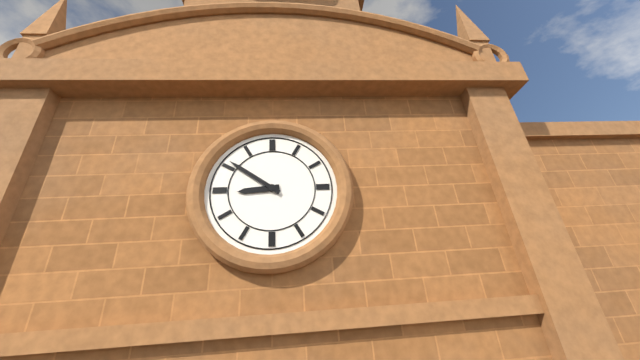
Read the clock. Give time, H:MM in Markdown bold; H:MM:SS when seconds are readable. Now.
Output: **8:51**
